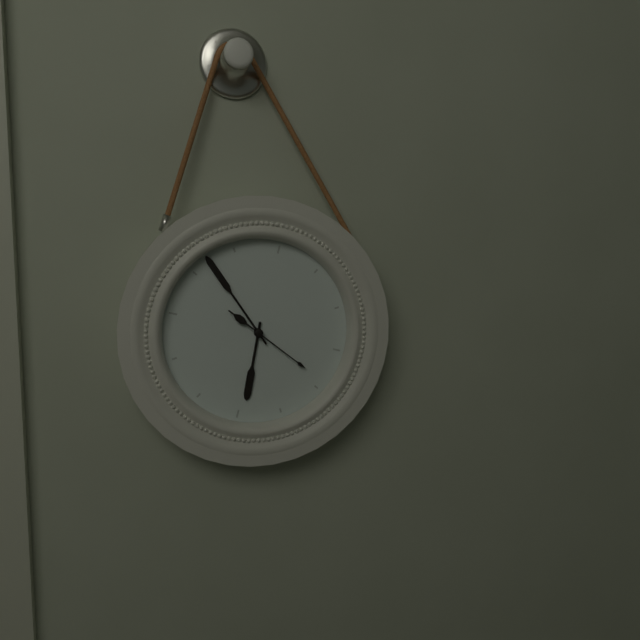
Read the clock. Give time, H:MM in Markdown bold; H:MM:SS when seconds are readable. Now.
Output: **5:52:19**
